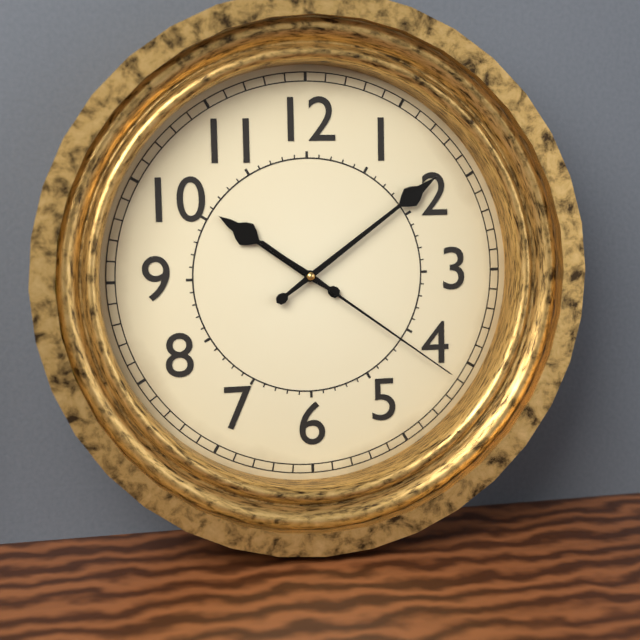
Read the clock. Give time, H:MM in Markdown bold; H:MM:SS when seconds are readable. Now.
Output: **10:09:21**
